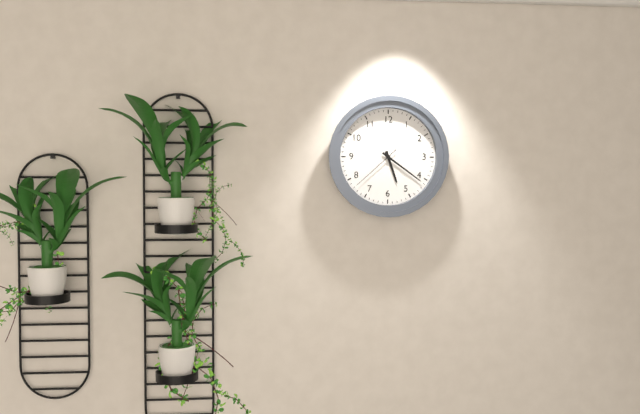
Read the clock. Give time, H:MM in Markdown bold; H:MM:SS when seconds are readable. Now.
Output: **5:21:38**
